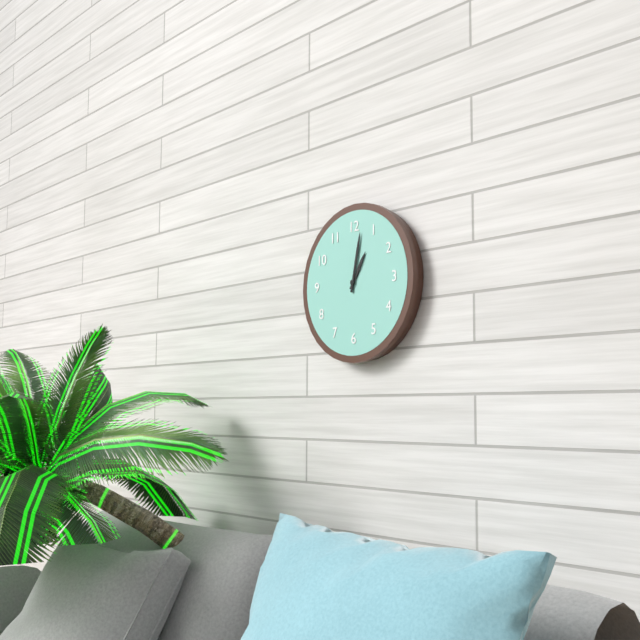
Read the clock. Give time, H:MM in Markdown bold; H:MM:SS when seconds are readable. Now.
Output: **1:02**
